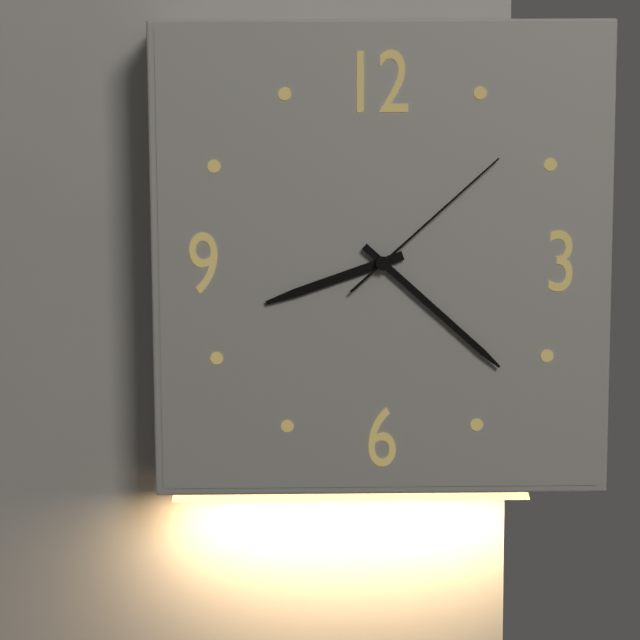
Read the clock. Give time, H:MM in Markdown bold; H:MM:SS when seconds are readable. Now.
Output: **8:22:08**
